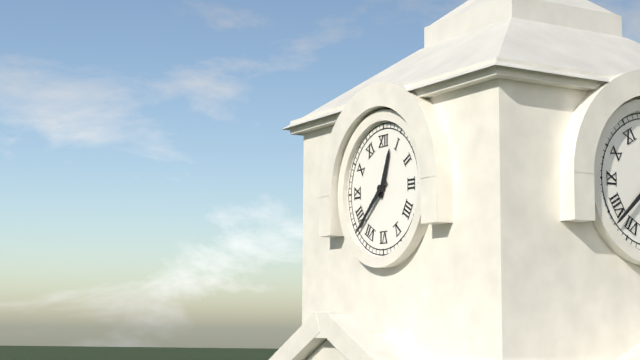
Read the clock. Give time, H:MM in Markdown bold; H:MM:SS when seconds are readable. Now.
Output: **12:38**
